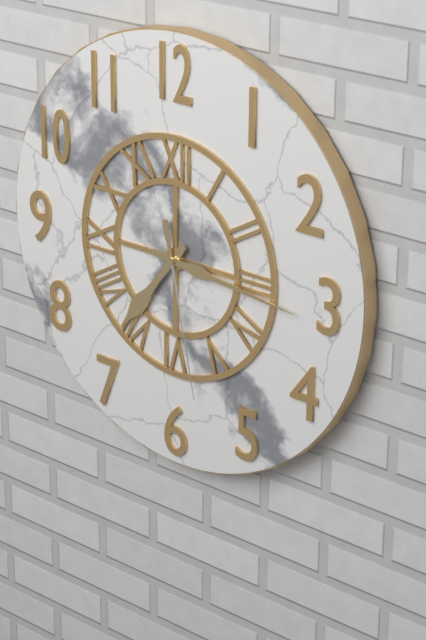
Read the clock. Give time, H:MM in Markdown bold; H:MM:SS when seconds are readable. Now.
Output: **7:16:28**
